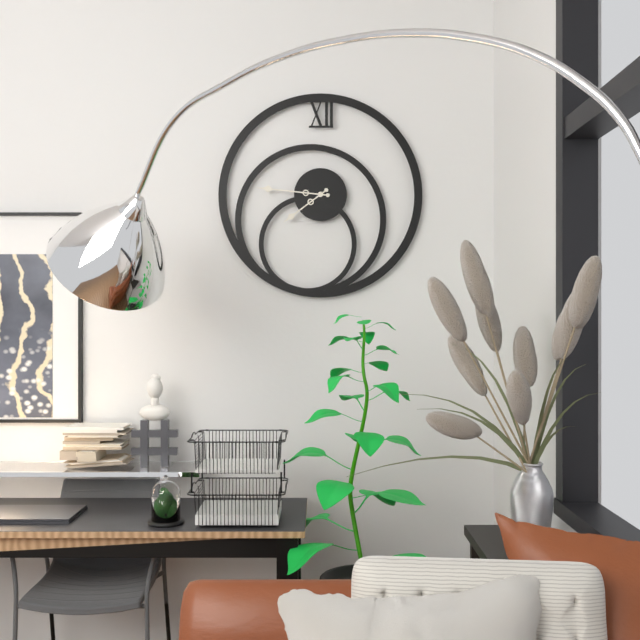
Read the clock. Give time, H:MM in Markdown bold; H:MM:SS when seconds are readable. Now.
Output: **7:46**
